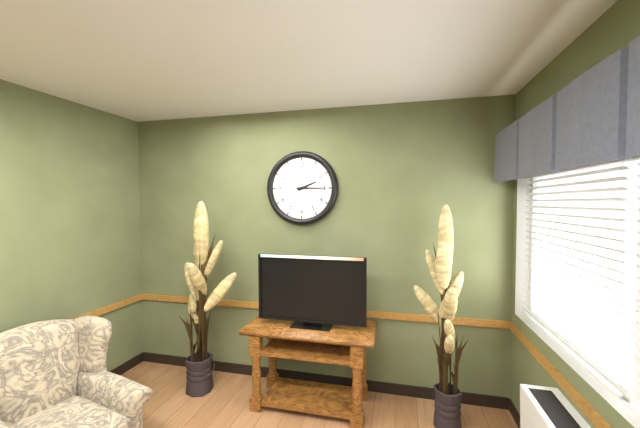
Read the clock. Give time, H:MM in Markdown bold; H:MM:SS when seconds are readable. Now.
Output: **2:15**
